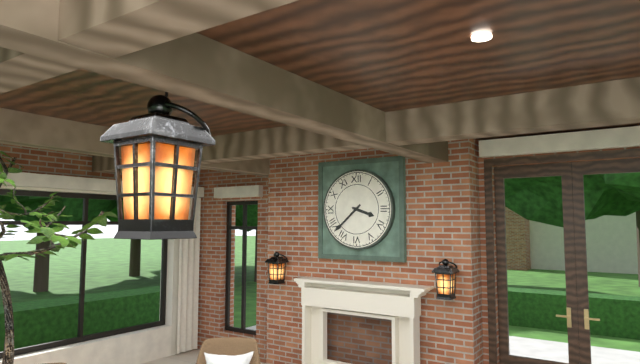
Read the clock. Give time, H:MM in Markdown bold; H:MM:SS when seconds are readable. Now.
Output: **3:38**
